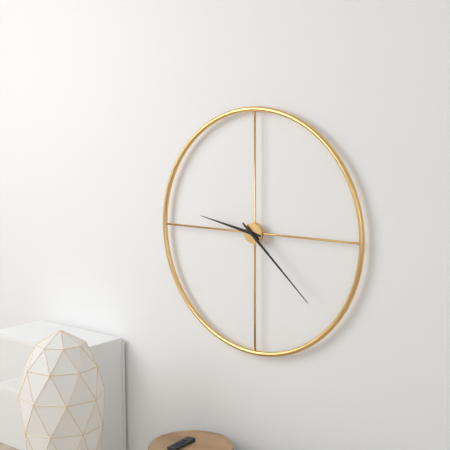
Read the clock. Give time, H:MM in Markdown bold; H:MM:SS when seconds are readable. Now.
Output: **9:22**
